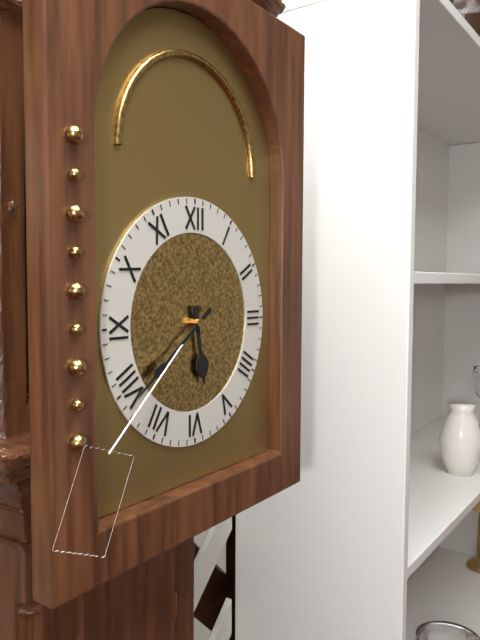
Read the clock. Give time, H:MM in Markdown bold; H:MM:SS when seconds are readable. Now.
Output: **5:39**
